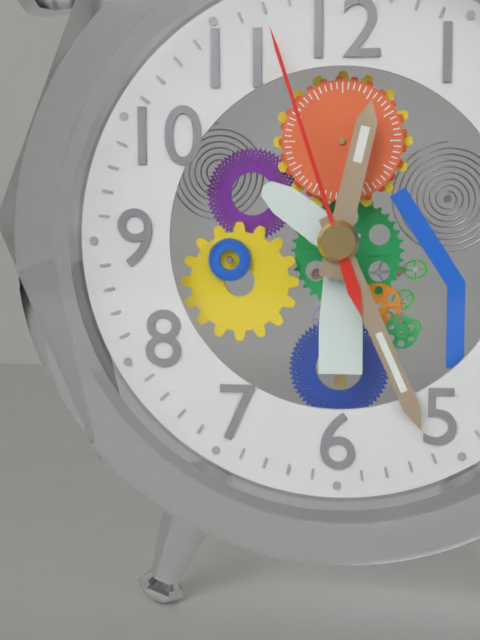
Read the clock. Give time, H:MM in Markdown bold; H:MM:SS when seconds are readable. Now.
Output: **12:26:57**
